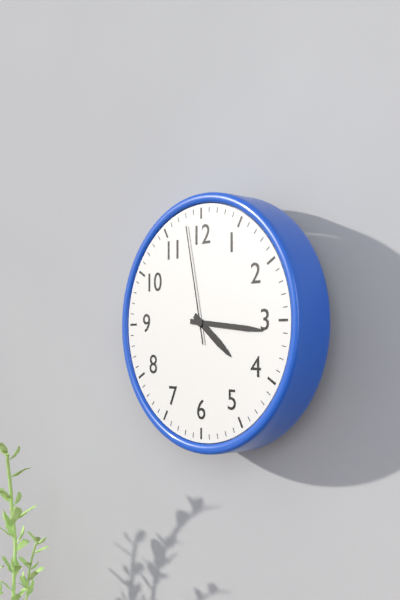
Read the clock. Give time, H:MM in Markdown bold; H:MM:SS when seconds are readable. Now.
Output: **4:16:58**
